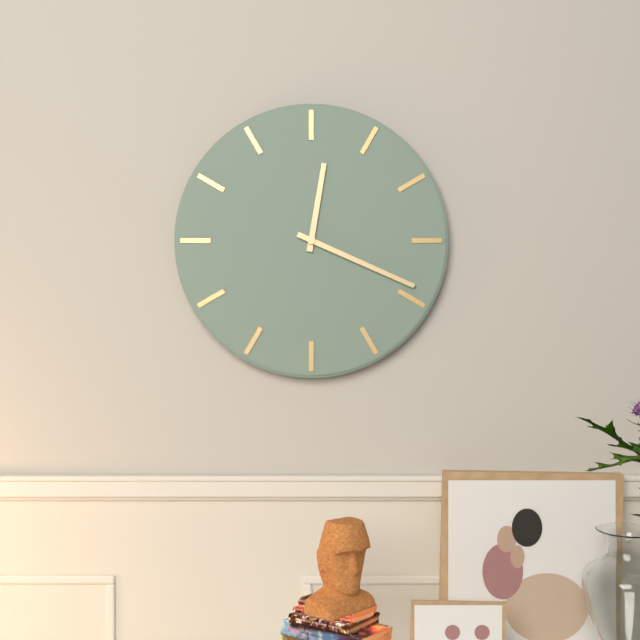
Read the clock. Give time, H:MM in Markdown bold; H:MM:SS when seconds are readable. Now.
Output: **12:19**
